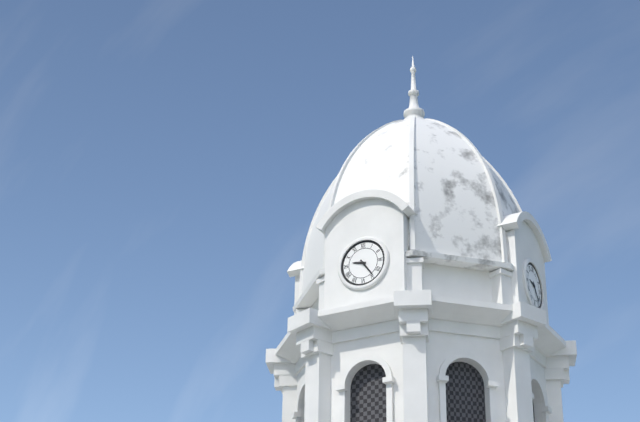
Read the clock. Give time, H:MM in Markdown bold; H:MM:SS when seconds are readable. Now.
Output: **9:24**
